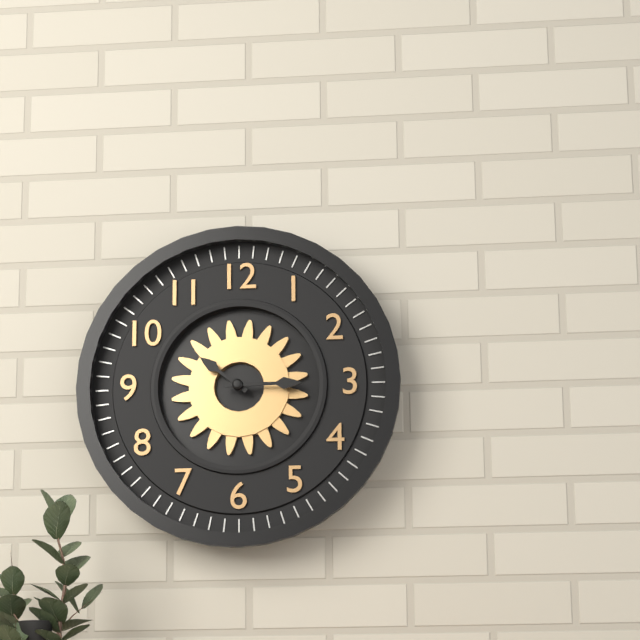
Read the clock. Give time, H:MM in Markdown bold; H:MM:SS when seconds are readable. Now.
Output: **10:15**
